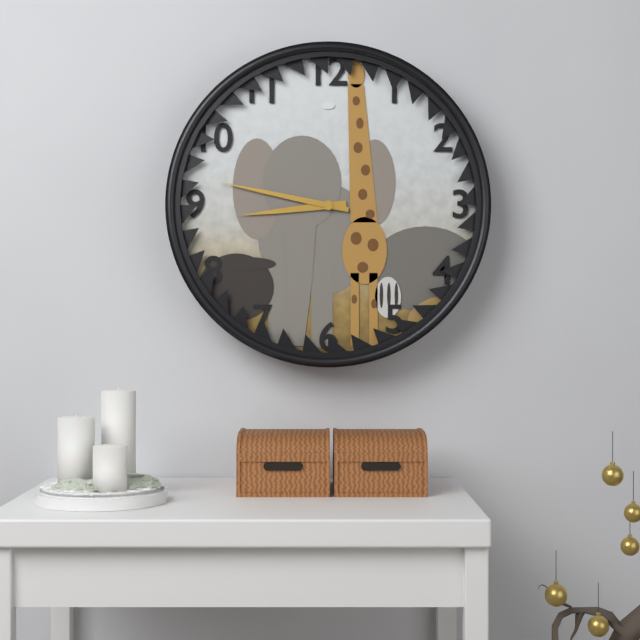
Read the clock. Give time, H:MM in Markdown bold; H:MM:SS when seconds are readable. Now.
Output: **8:47**
